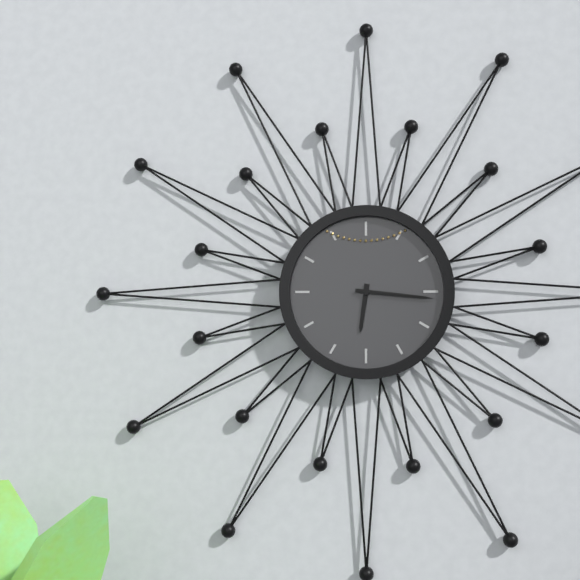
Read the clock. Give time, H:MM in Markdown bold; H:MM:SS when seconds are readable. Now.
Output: **6:16**
